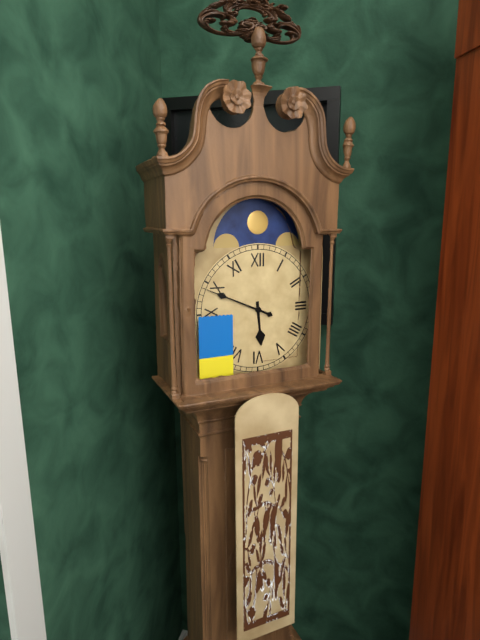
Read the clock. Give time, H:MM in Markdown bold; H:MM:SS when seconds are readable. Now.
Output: **5:49**
